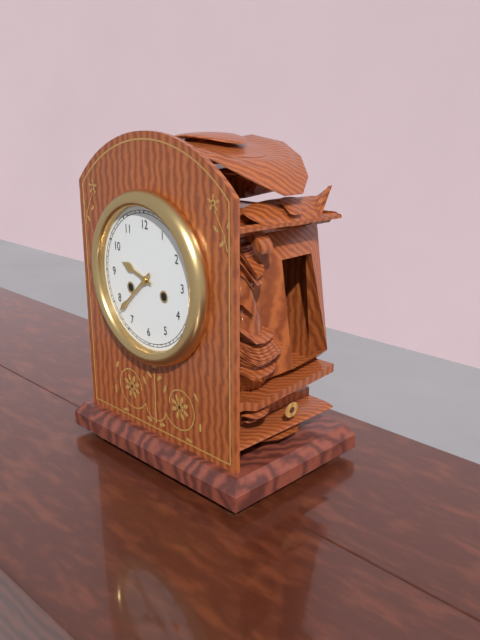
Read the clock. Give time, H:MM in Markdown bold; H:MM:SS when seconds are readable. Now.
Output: **9:38**
